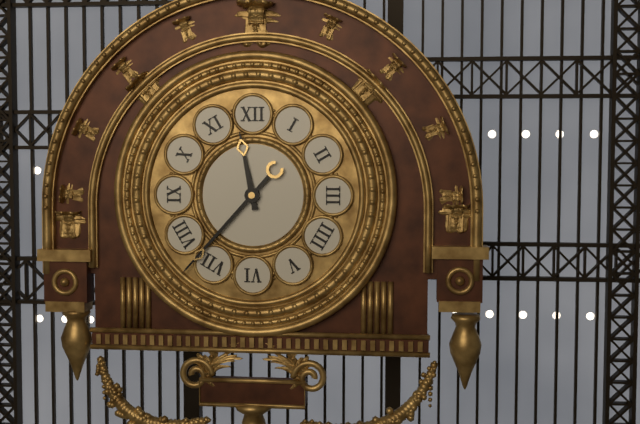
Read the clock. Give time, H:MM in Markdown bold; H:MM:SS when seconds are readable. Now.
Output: **11:37**
